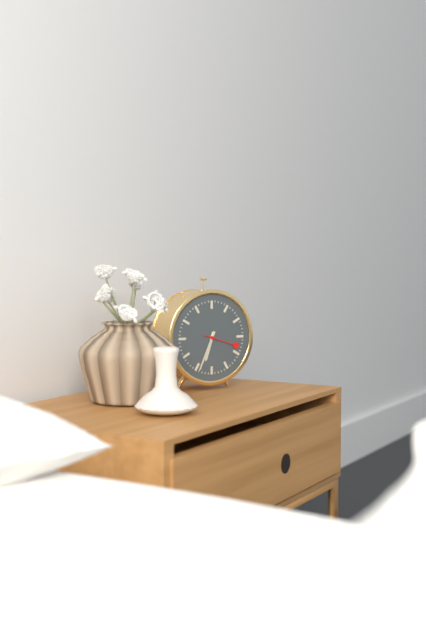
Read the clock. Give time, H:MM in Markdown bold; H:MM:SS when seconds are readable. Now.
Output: **6:34**
